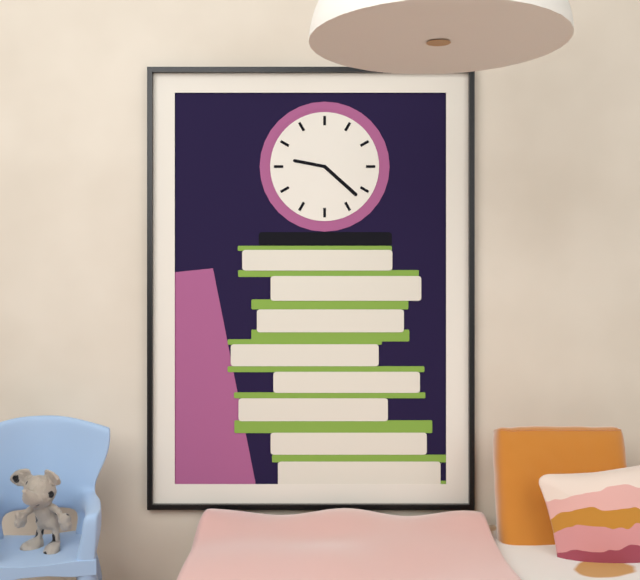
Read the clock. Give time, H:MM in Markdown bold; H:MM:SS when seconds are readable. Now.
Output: **9:22**
